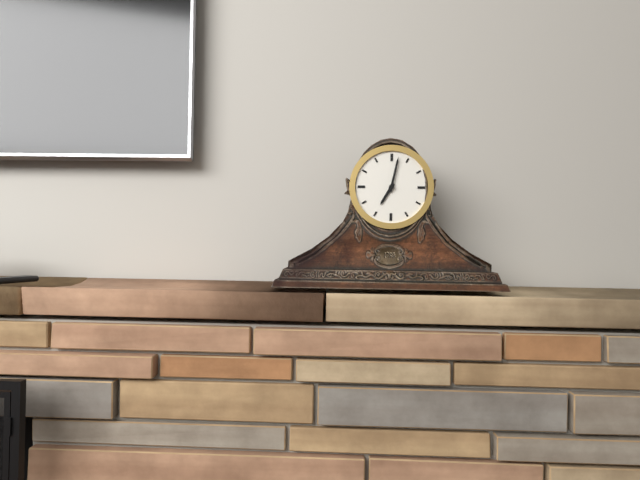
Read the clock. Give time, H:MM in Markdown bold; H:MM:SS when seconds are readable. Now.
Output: **7:02**
